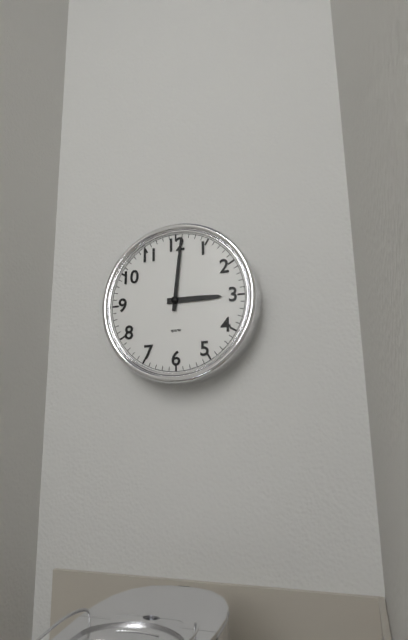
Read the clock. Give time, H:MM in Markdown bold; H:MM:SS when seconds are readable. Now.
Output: **3:01**
